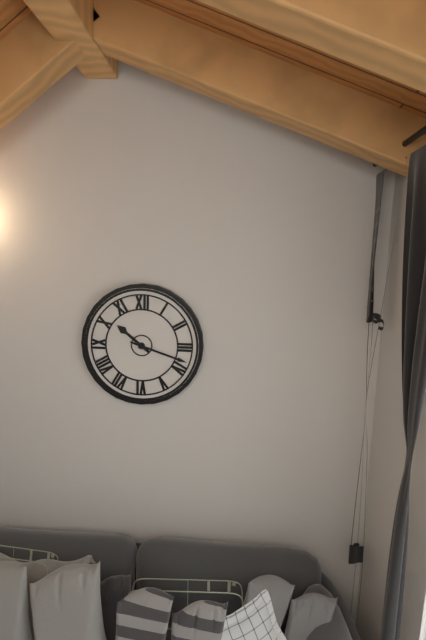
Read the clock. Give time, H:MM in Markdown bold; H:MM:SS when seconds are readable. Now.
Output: **10:18**
